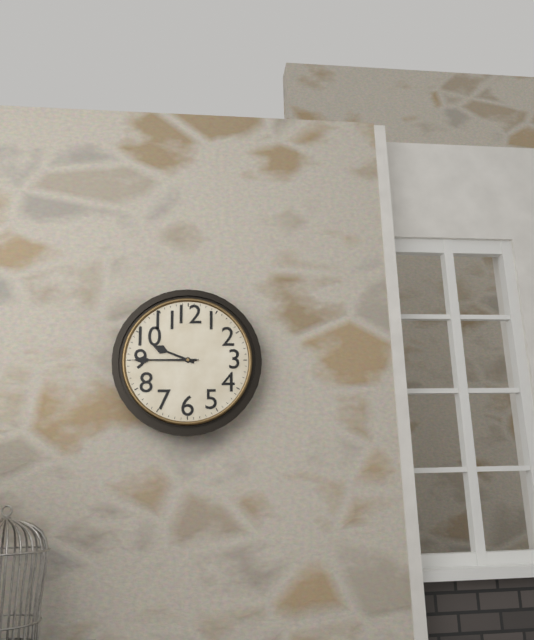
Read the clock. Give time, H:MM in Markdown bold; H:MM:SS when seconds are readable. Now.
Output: **9:45:45**
